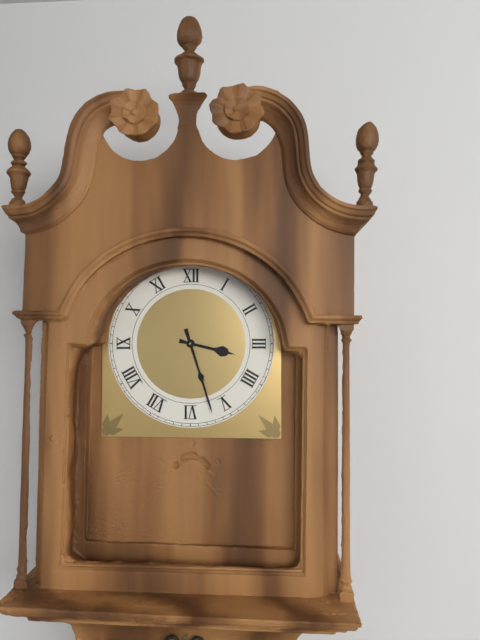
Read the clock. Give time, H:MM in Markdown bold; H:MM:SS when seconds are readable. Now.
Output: **3:27**
